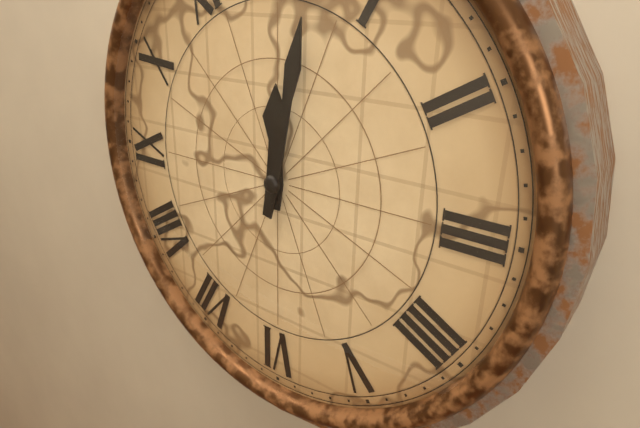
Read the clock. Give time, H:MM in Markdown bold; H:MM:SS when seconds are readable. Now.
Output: **12:02**
